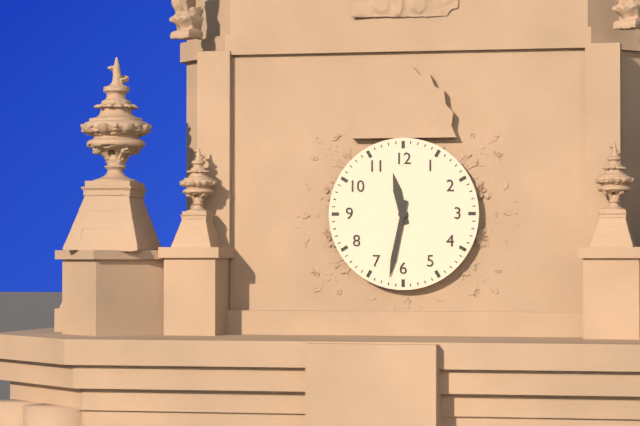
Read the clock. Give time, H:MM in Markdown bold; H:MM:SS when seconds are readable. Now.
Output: **11:32**
